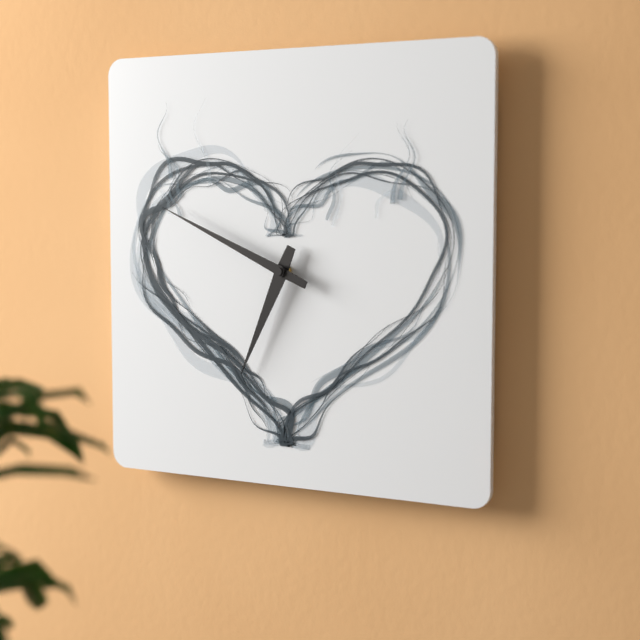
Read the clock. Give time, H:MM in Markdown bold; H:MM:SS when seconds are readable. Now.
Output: **6:49**
